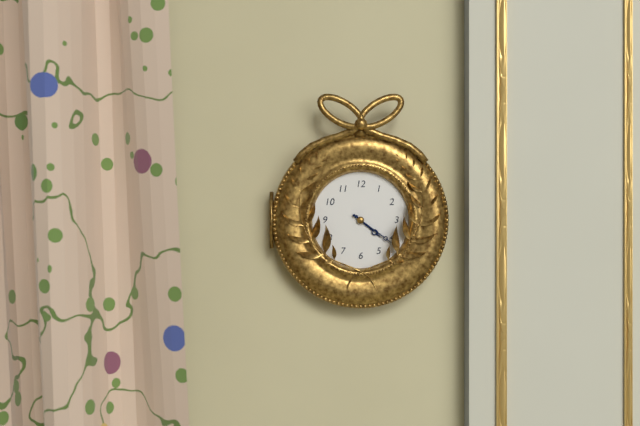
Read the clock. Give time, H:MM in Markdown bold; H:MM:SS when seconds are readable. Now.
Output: **4:21**
